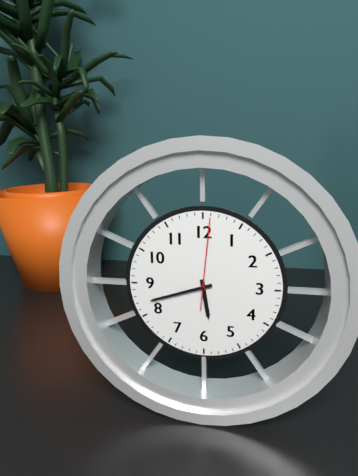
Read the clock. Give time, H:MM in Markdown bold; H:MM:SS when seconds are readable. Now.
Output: **5:42:01**
